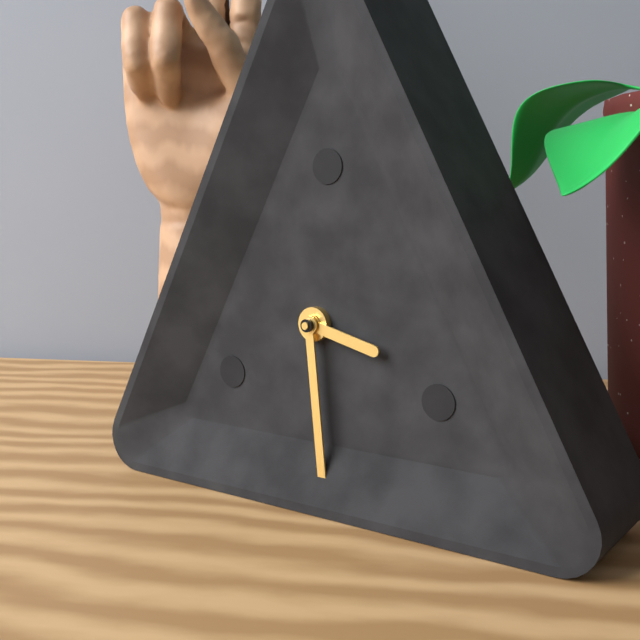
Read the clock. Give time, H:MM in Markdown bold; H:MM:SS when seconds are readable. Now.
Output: **3:29**
